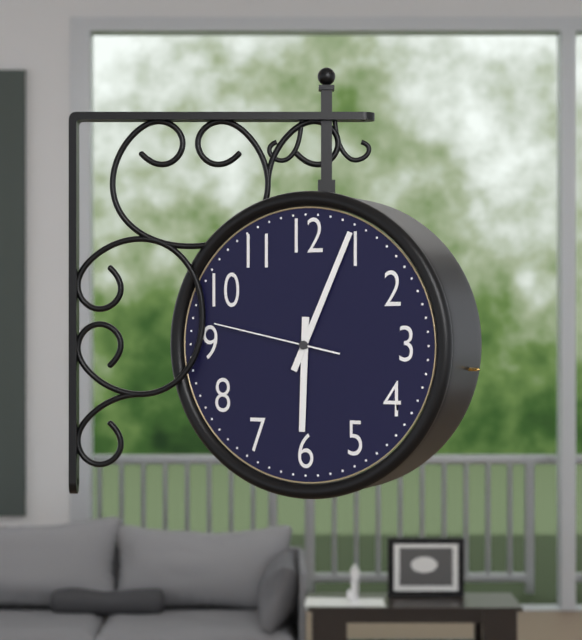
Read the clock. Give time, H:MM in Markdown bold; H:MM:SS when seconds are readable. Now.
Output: **6:04:47**
